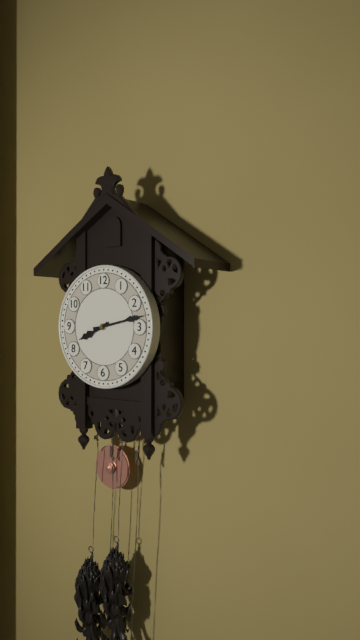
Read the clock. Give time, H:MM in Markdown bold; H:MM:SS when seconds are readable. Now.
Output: **8:13**
